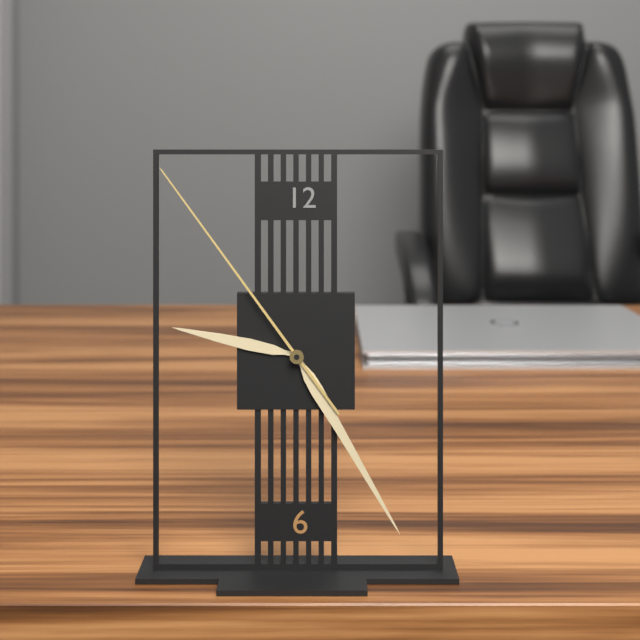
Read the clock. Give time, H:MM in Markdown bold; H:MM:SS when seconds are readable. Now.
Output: **9:25:54**
